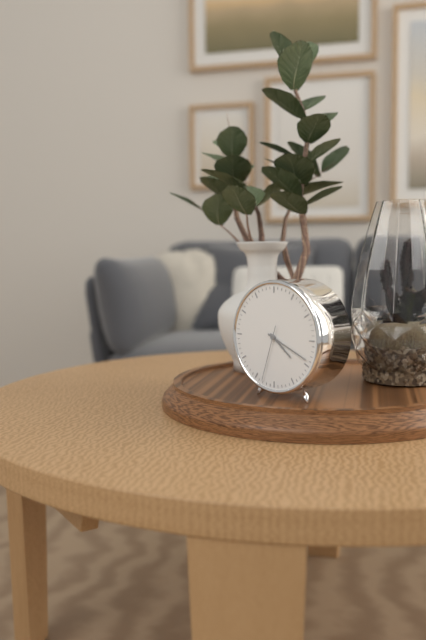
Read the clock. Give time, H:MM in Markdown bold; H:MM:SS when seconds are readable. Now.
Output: **4:19:33**
